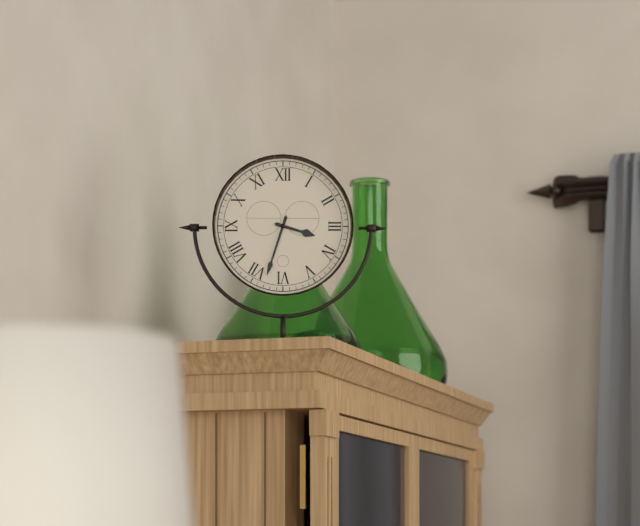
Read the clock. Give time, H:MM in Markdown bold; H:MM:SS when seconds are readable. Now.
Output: **3:33**
